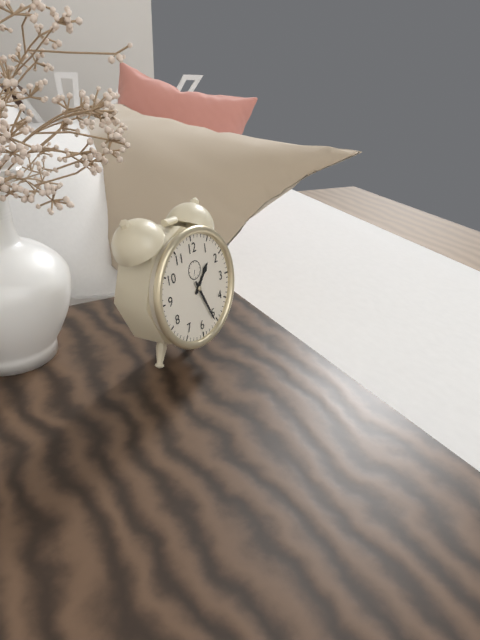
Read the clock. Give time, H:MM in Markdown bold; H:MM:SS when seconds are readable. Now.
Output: **1:26**
